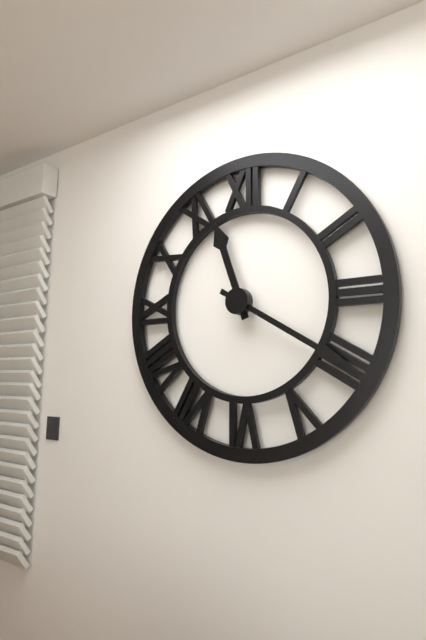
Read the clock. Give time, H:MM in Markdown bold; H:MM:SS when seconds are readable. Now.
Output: **11:20**
